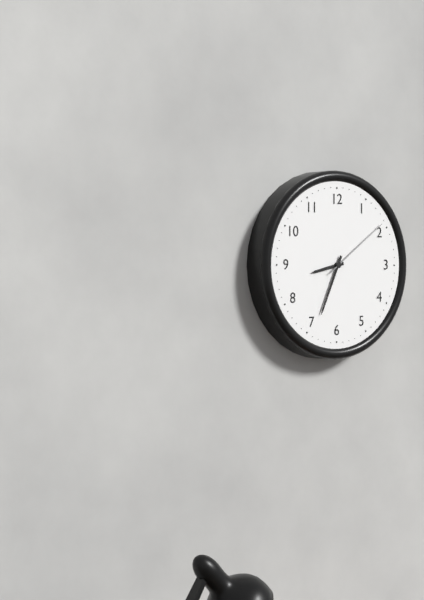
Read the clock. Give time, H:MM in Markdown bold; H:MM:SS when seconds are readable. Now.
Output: **8:34:09**
